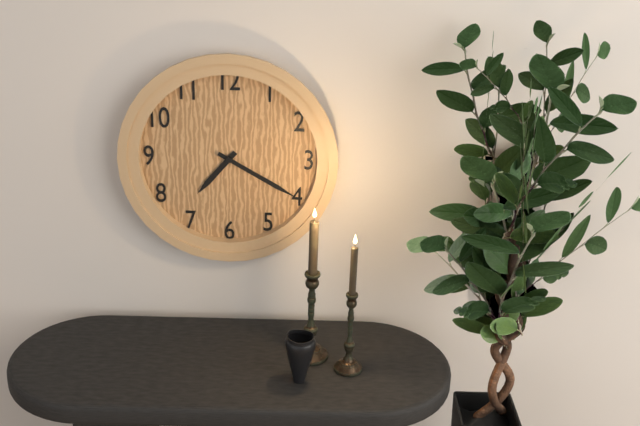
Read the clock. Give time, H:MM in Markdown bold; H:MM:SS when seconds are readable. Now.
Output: **7:20**
